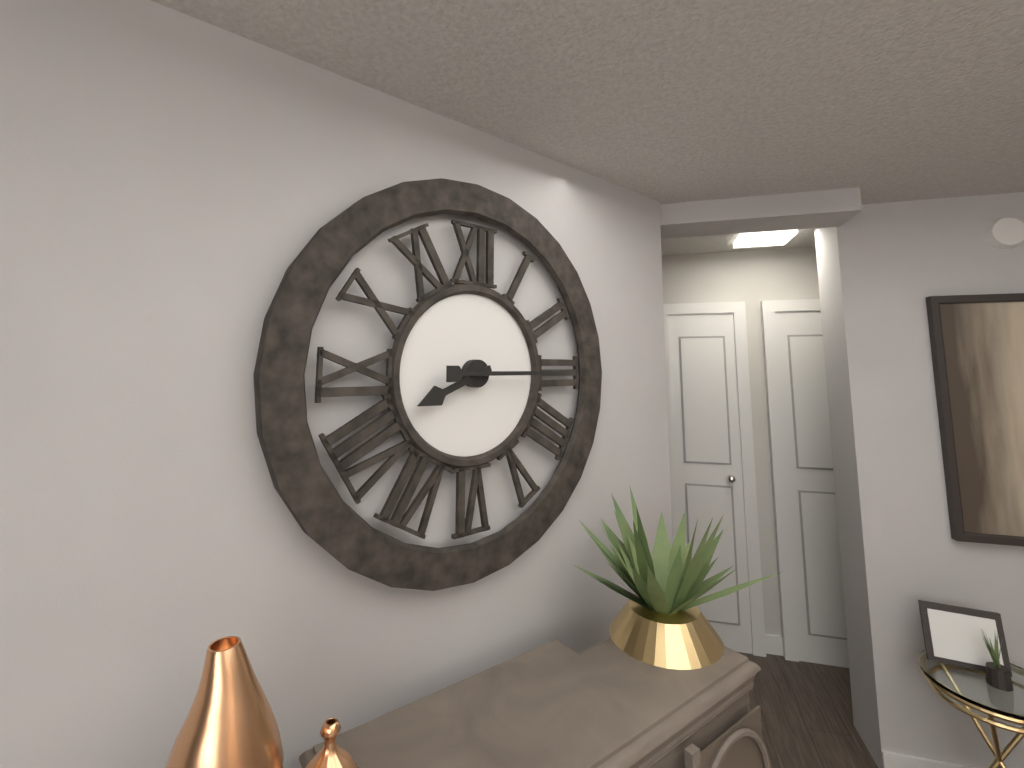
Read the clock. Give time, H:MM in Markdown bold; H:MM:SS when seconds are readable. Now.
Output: **8:15**
